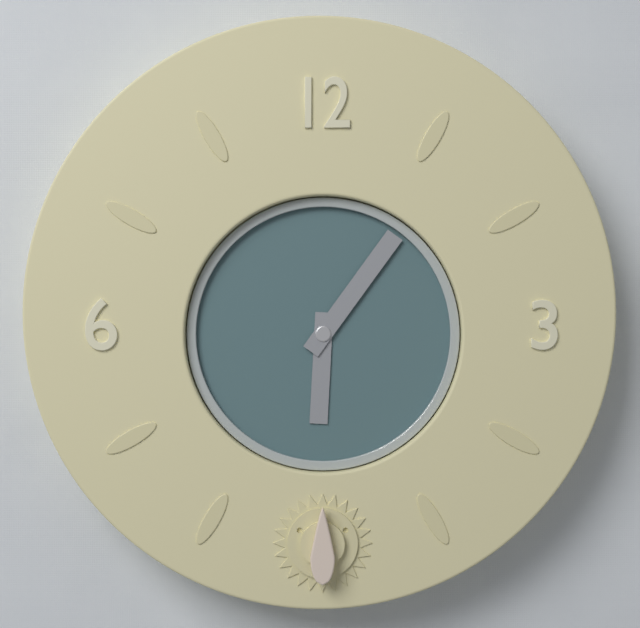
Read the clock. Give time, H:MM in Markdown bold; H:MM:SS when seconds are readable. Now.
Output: **6:06**
